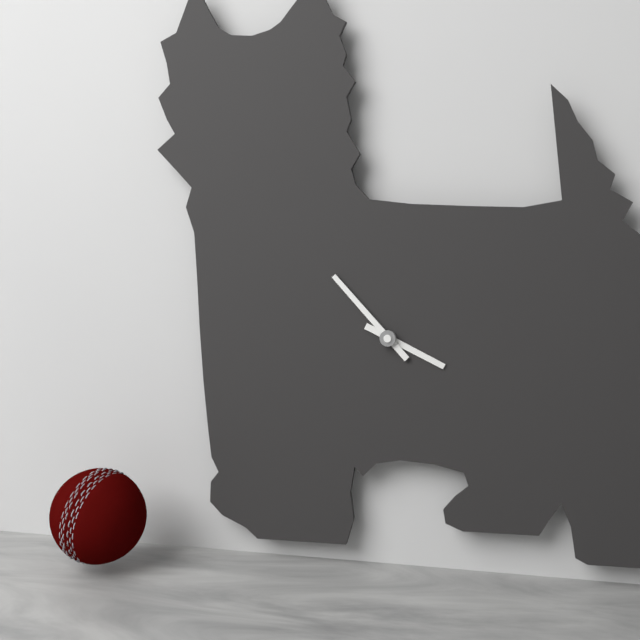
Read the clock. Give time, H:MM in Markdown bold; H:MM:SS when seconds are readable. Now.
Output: **3:53**
